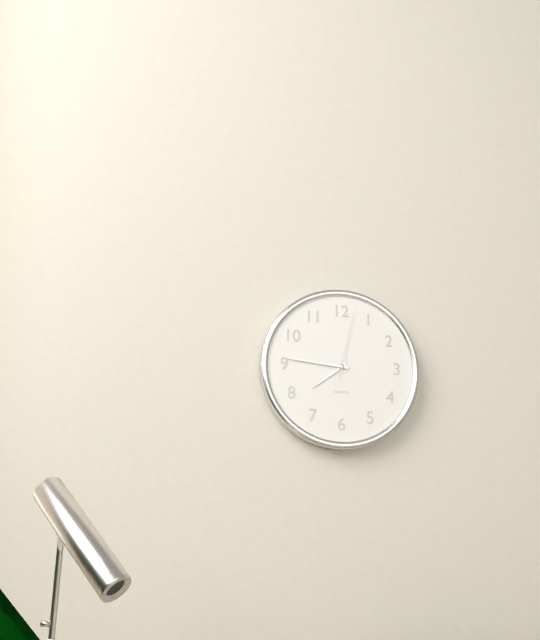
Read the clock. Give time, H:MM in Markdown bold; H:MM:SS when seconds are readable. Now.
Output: **7:46:02**
